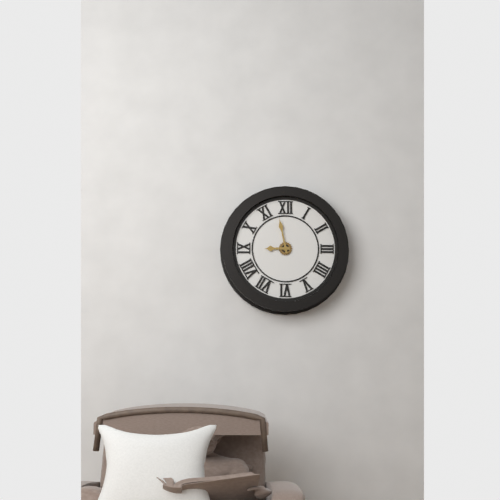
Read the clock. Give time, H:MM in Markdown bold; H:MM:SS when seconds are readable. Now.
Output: **8:58**
